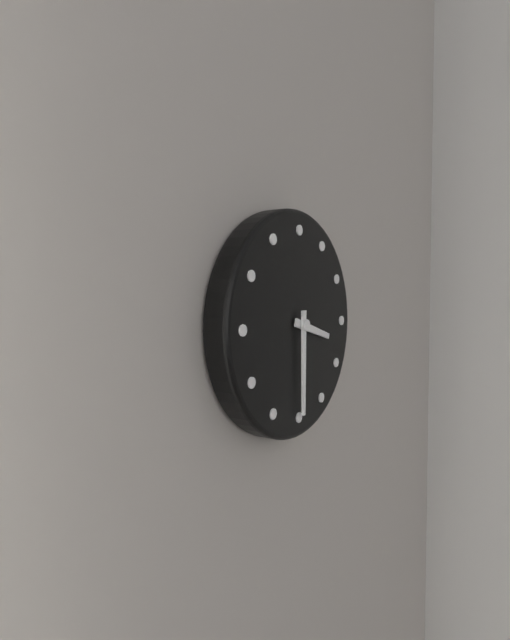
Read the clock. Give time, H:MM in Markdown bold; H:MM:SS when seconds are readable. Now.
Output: **3:30**
